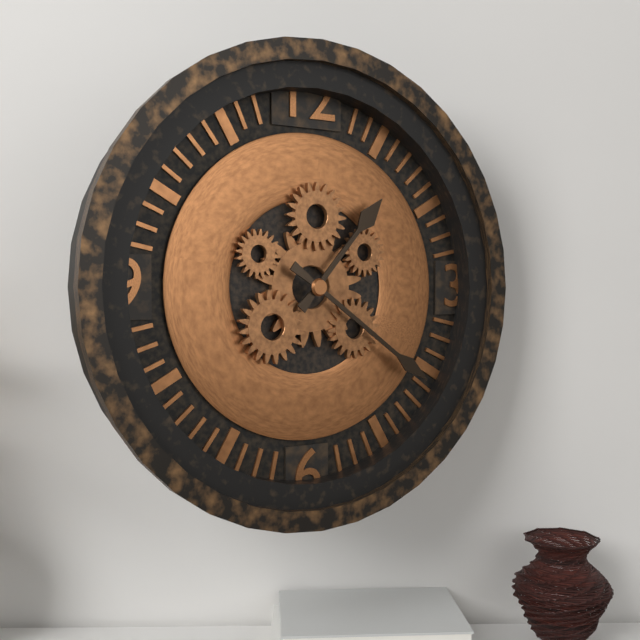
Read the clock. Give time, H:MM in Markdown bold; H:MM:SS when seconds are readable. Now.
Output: **1:21**
